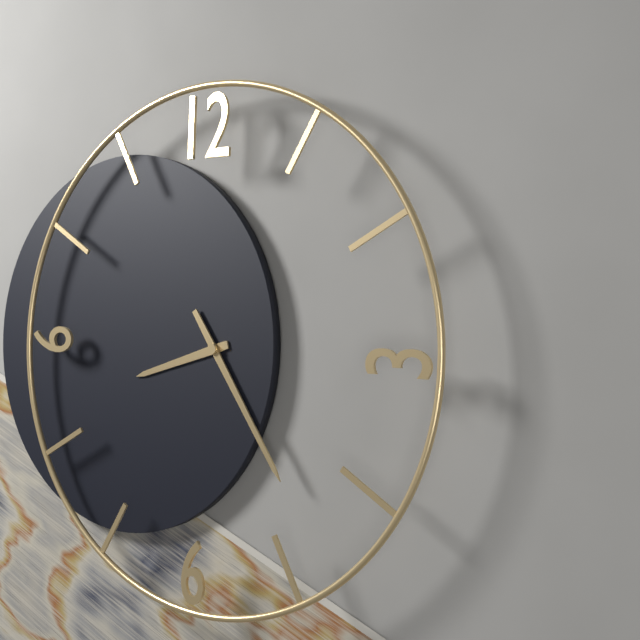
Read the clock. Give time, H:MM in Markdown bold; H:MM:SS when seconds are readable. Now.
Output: **8:24**
